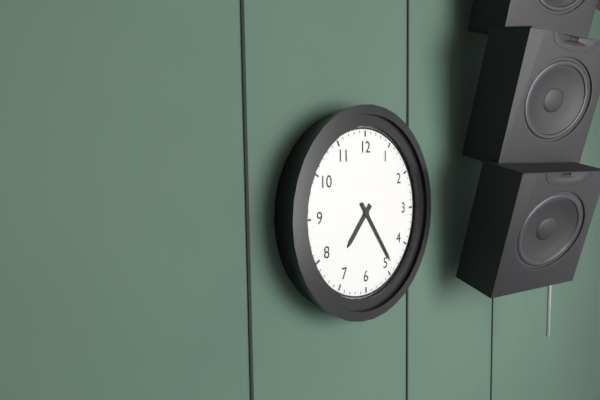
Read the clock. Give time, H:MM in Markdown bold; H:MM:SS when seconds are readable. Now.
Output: **7:24**
